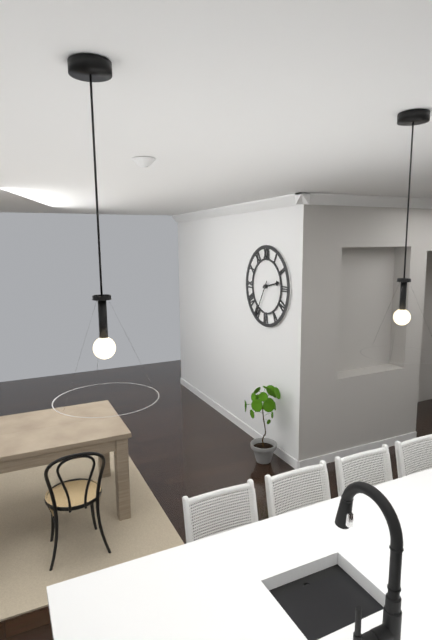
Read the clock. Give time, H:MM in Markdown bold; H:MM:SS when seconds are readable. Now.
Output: **2:35**
